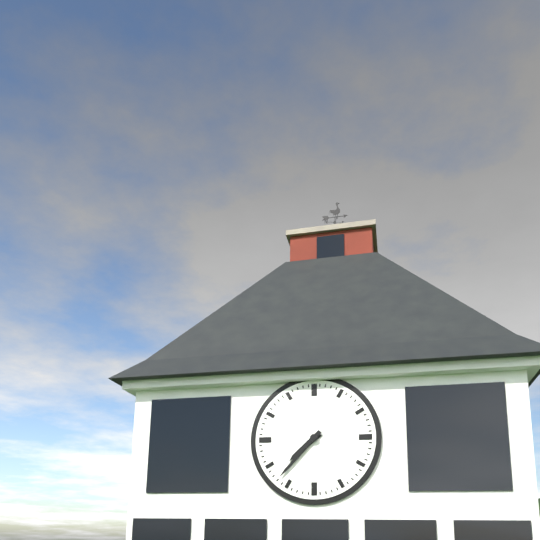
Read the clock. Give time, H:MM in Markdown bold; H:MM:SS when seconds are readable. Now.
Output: **7:37**
